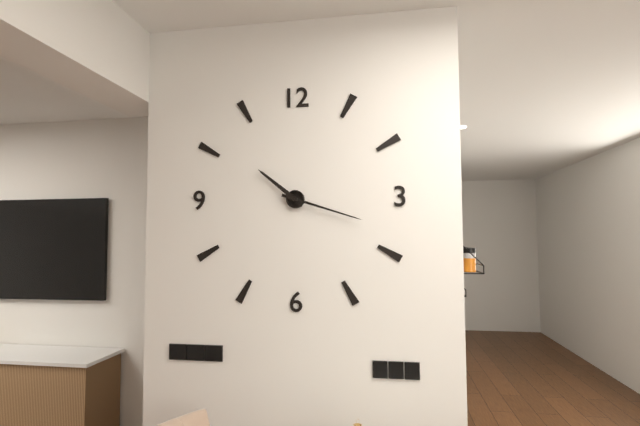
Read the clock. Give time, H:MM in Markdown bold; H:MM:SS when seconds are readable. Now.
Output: **10:18**
